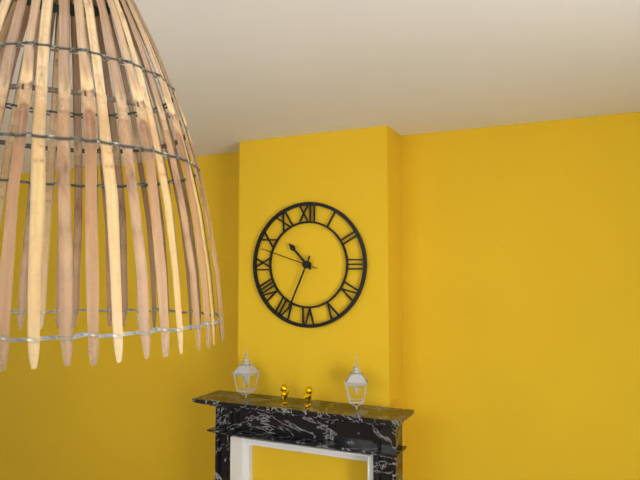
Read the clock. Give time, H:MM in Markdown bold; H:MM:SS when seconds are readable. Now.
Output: **10:34:48**
